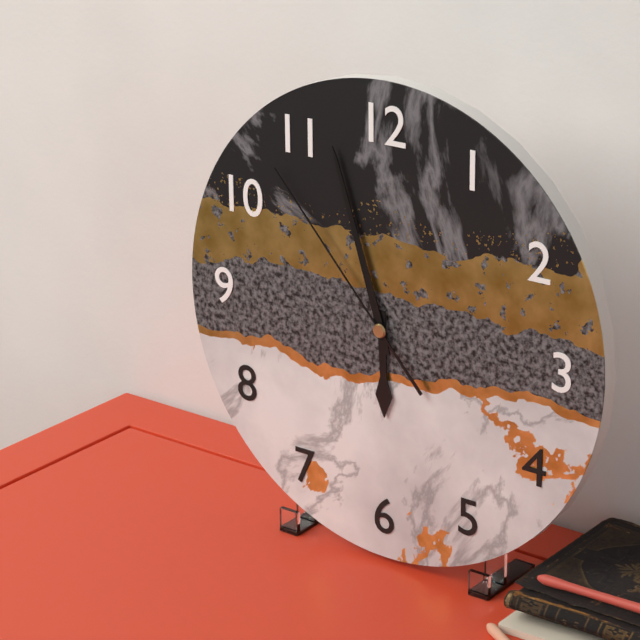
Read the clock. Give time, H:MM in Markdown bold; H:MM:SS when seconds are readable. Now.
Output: **5:57:53**
